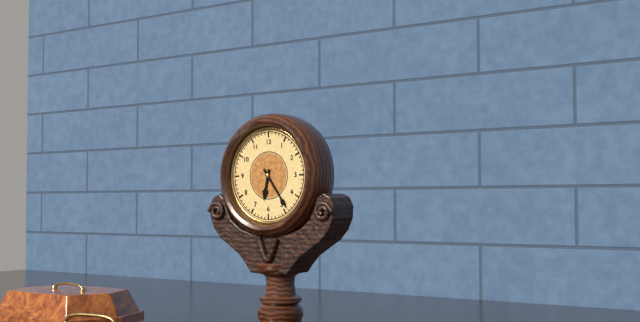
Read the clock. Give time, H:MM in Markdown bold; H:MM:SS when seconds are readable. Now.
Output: **6:24**
